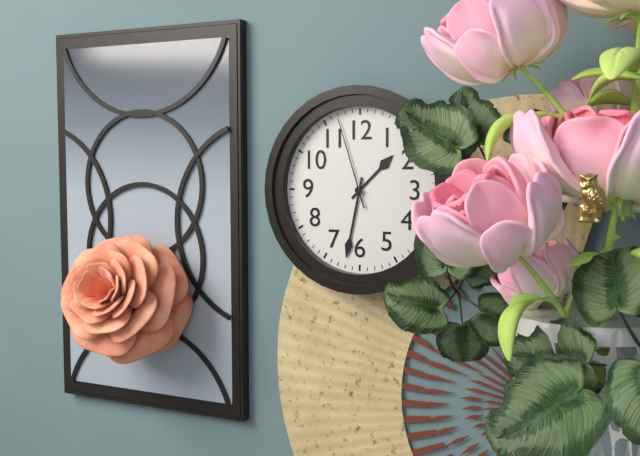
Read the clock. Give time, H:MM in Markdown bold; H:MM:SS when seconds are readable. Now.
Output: **1:32:57**
